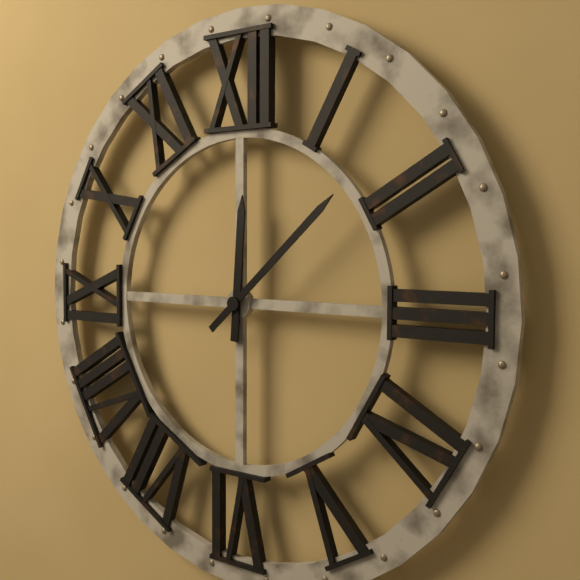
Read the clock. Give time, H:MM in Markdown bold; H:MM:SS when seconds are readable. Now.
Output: **12:08**
